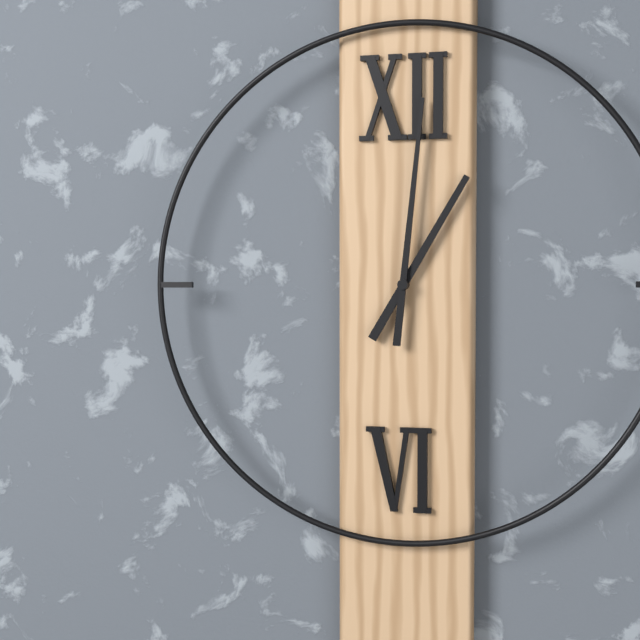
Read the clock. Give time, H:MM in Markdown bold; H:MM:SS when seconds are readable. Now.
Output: **1:01**
